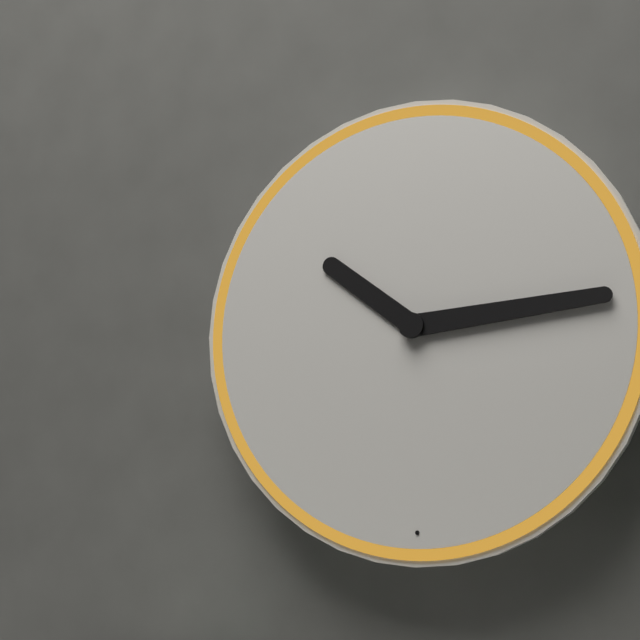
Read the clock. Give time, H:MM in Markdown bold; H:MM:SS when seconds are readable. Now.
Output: **10:14**
